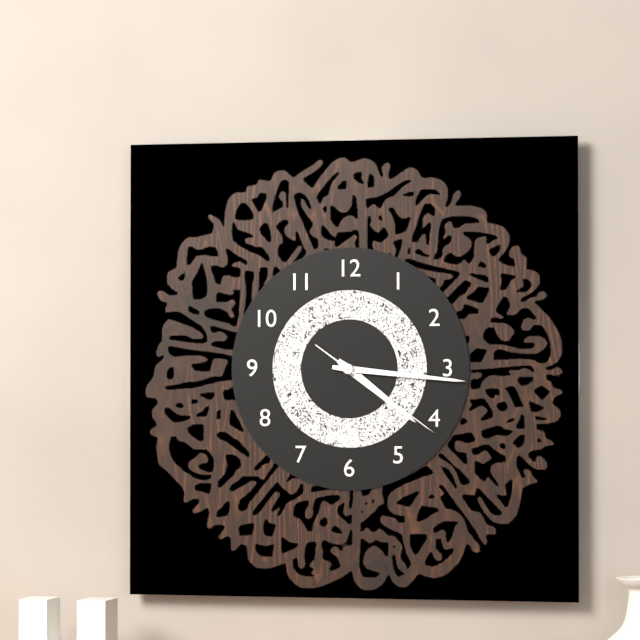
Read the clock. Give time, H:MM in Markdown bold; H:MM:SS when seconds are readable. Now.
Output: **4:16:21**
